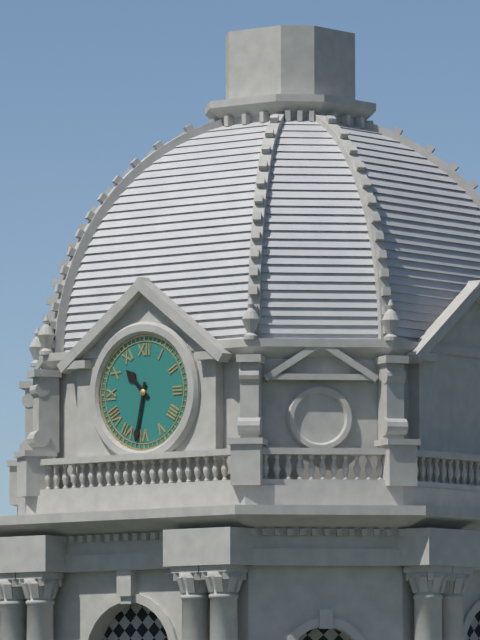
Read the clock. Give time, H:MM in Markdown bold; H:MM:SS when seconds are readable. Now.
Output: **10:32**
